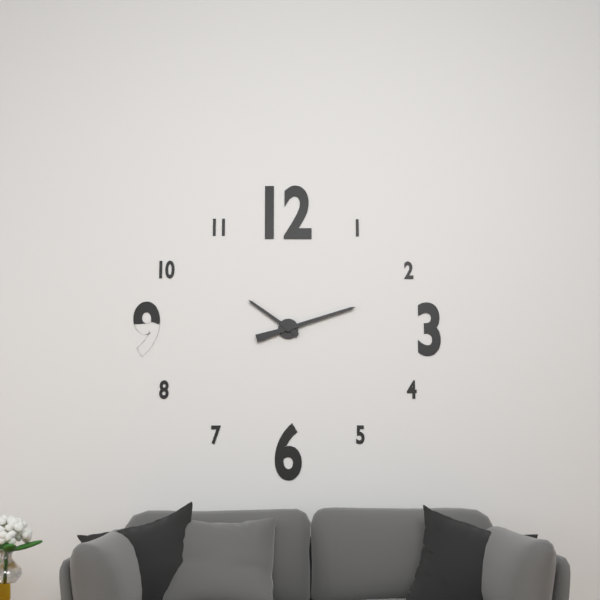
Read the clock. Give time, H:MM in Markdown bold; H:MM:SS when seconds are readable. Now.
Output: **10:12**
